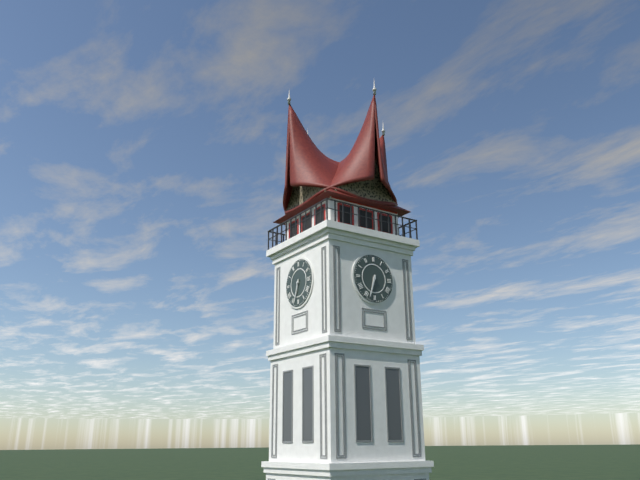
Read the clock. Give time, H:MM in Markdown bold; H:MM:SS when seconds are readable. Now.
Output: **6:33**
